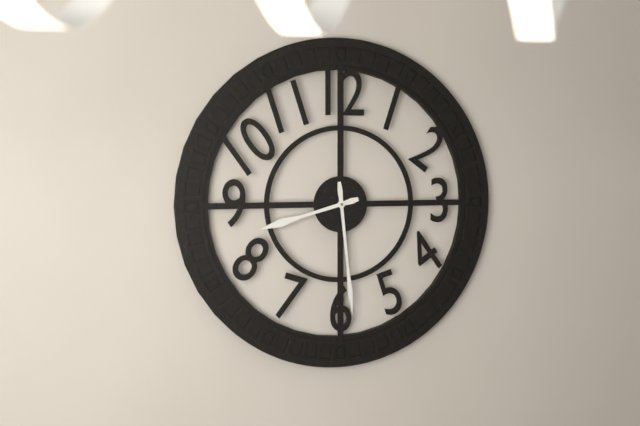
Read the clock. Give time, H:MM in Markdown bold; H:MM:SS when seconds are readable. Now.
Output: **8:29**
